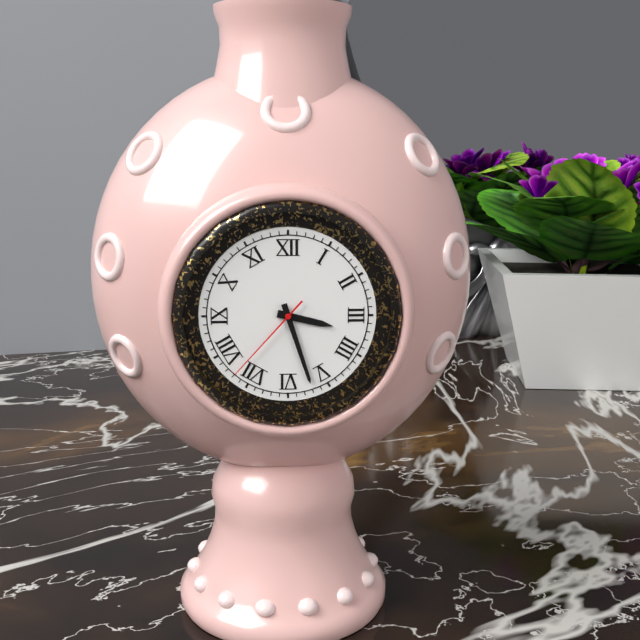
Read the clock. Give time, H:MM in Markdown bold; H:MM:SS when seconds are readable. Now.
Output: **3:27:37**
